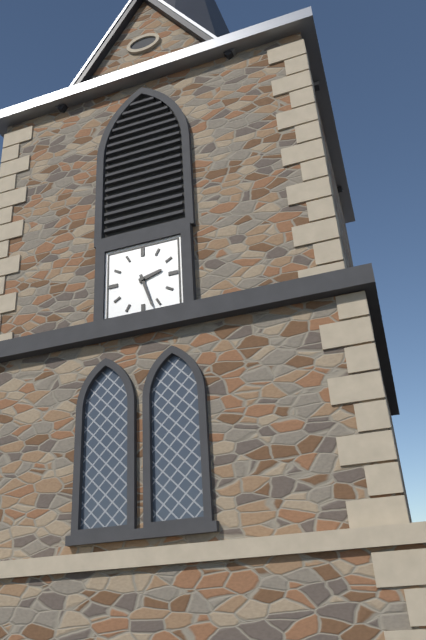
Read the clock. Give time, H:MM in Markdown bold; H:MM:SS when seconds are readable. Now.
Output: **2:27**
